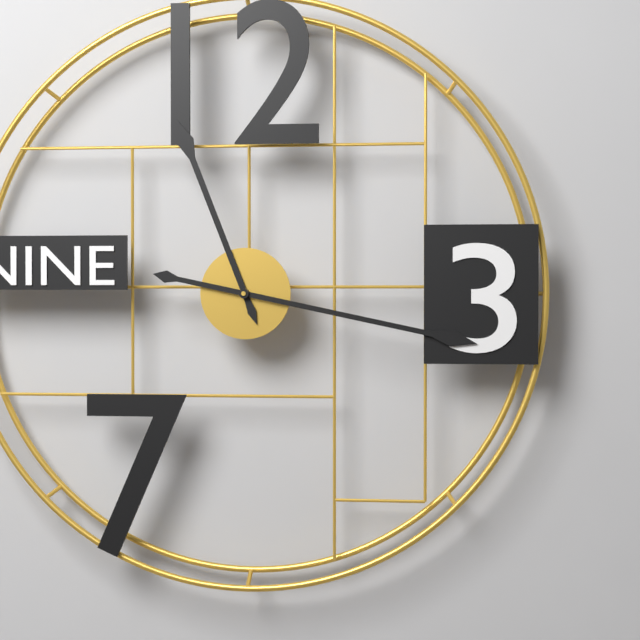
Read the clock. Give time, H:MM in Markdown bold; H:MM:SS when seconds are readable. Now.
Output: **11:17**
